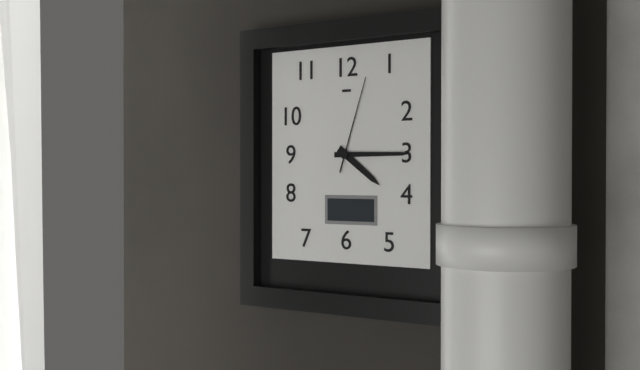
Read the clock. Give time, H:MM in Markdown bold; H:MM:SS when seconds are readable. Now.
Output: **4:15:03**
